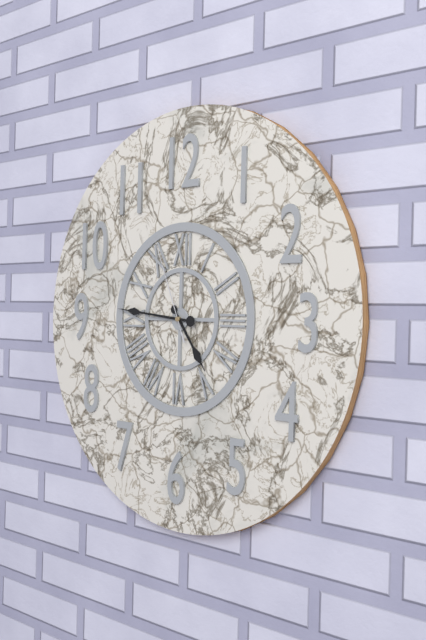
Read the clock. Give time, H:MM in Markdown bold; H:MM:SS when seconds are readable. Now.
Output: **4:46:56**
